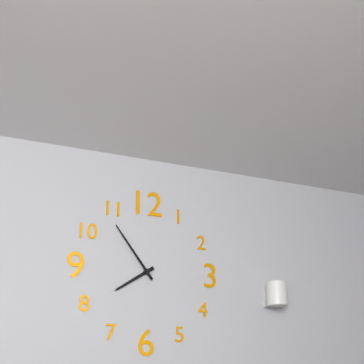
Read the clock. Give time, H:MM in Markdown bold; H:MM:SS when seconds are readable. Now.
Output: **7:54**
